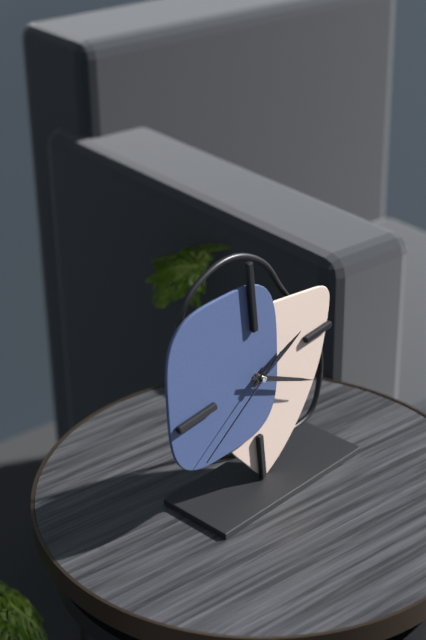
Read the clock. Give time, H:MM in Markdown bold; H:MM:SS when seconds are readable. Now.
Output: **2:20:40**
